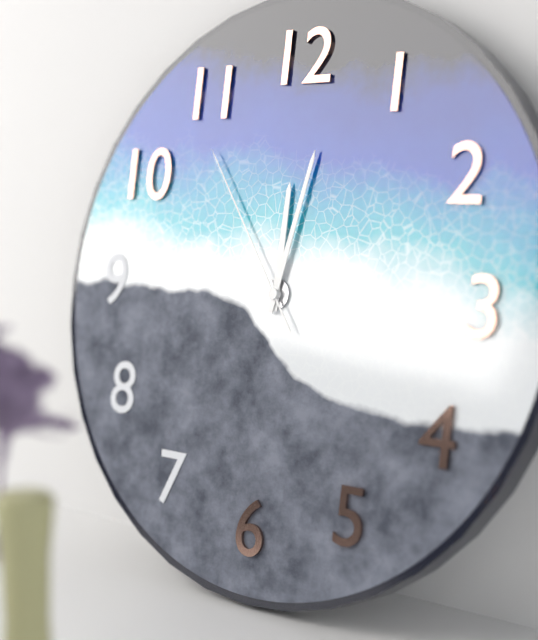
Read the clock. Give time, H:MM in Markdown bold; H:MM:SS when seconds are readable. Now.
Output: **12:02:54**
